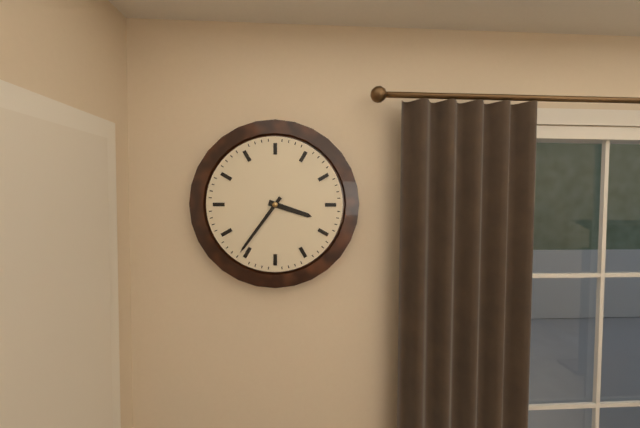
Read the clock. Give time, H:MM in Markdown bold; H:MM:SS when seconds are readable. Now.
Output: **3:36**
